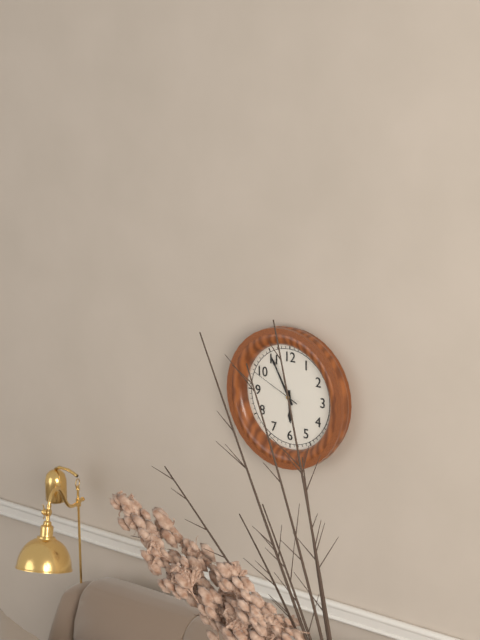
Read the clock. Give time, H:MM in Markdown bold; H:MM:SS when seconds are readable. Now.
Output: **5:55:49**
